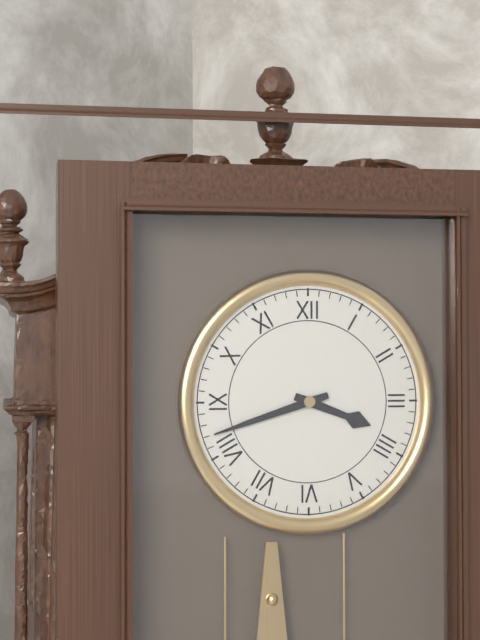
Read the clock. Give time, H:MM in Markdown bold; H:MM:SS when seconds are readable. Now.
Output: **3:42**
